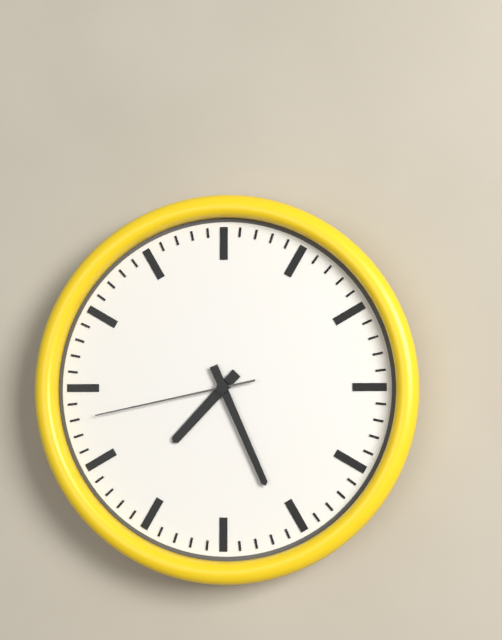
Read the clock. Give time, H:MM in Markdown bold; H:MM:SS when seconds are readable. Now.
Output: **7:26:43**
